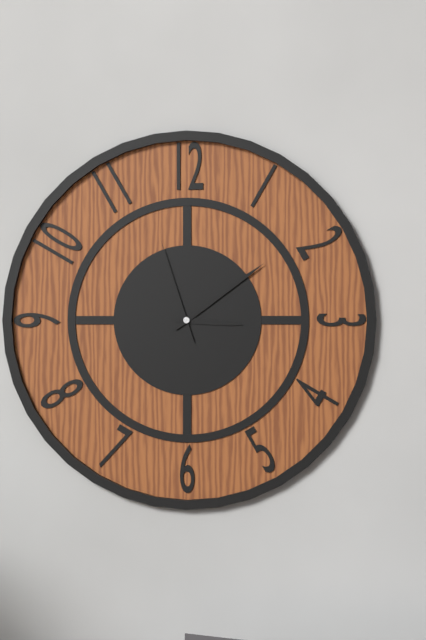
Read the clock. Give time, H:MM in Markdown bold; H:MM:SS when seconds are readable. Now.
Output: **3:09:57**
